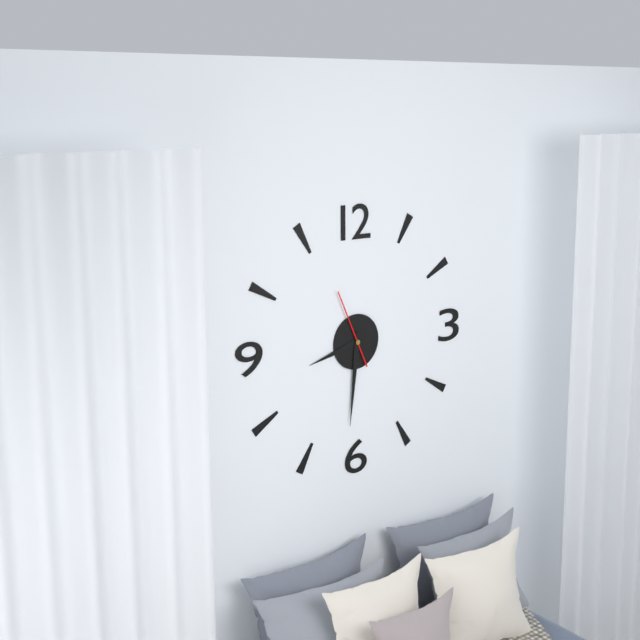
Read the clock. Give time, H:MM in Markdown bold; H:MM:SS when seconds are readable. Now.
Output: **8:31:56**
